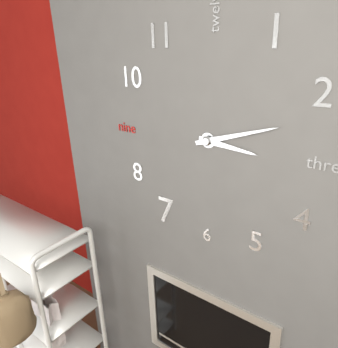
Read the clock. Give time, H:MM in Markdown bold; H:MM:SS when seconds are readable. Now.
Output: **3:12**
